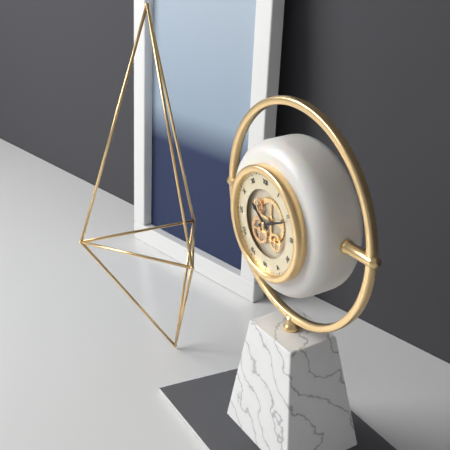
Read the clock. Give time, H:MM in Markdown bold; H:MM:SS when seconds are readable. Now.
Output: **10:11**
